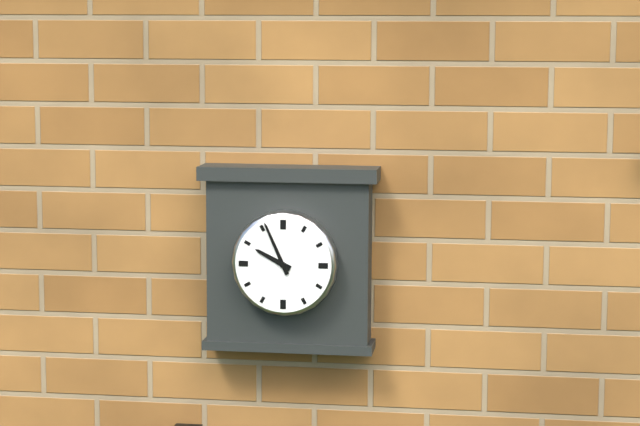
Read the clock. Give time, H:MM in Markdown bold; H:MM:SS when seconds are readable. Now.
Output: **9:56**
